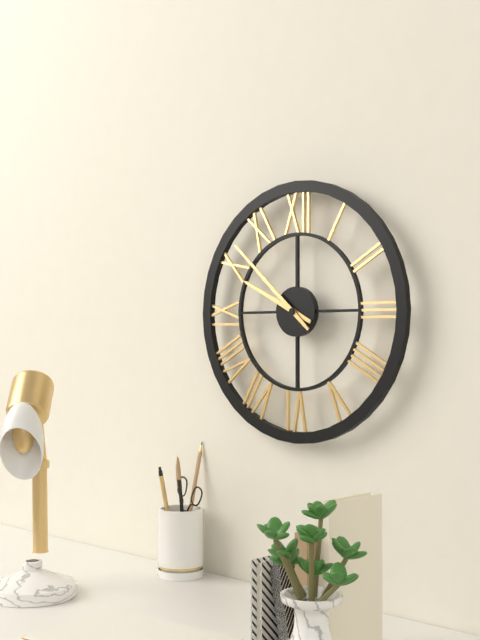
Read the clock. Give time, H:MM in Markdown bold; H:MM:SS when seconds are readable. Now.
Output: **9:52**
